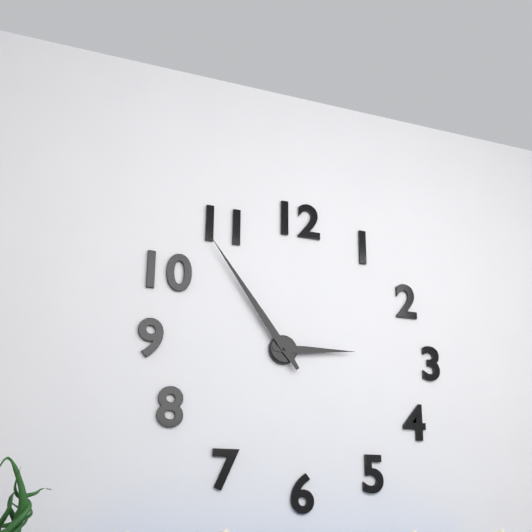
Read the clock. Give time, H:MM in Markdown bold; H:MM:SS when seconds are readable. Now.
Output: **2:54**
